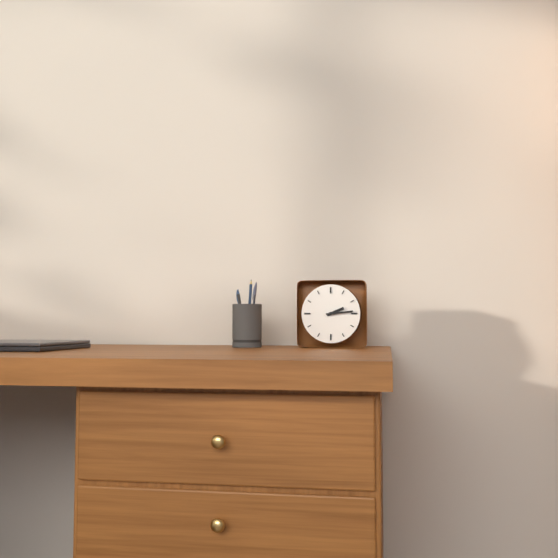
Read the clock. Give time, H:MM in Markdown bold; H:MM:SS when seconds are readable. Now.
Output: **2:14**
